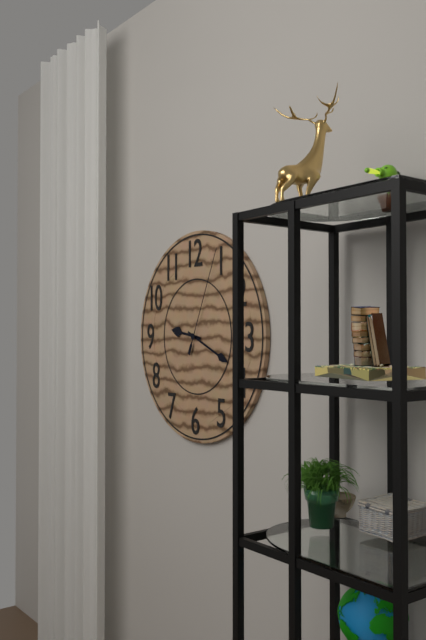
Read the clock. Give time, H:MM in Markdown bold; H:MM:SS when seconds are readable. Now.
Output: **9:19:04**
